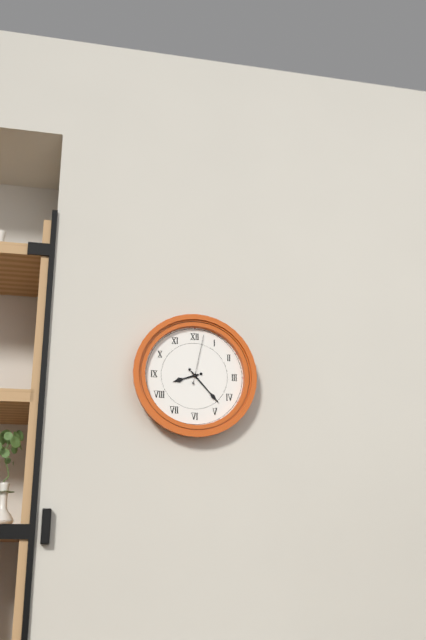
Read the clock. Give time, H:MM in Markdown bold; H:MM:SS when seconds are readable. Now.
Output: **8:23:02**
